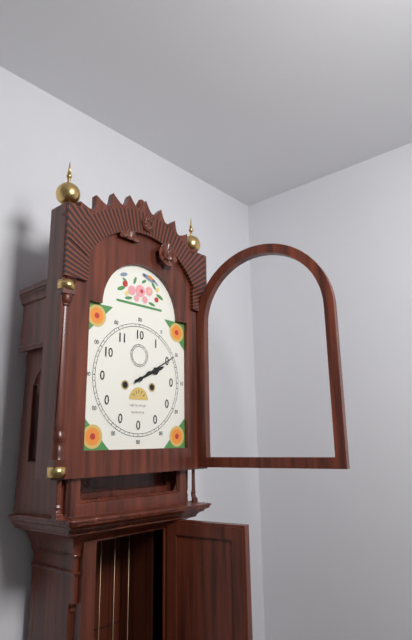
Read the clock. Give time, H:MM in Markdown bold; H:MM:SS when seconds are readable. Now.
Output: **2:10**
